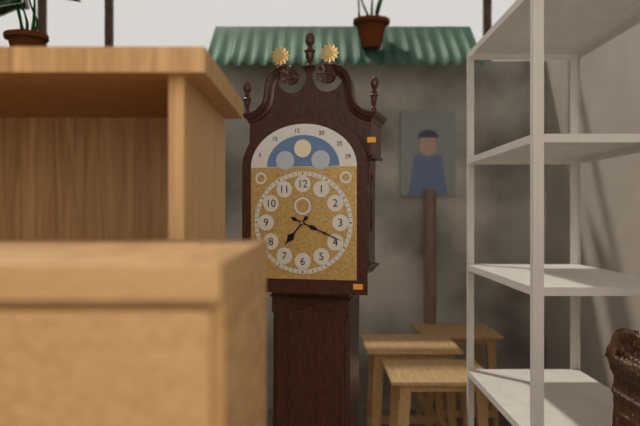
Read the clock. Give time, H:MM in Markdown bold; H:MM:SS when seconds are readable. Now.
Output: **7:19**
